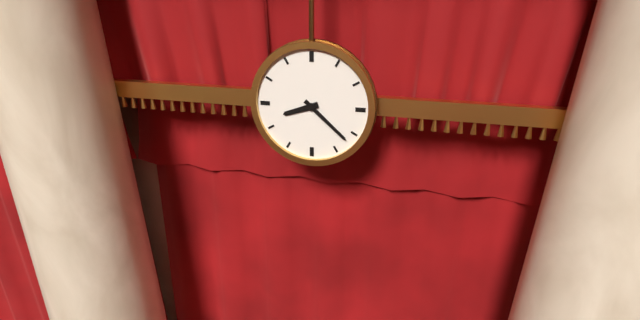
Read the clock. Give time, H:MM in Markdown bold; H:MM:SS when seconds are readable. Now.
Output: **8:22**
